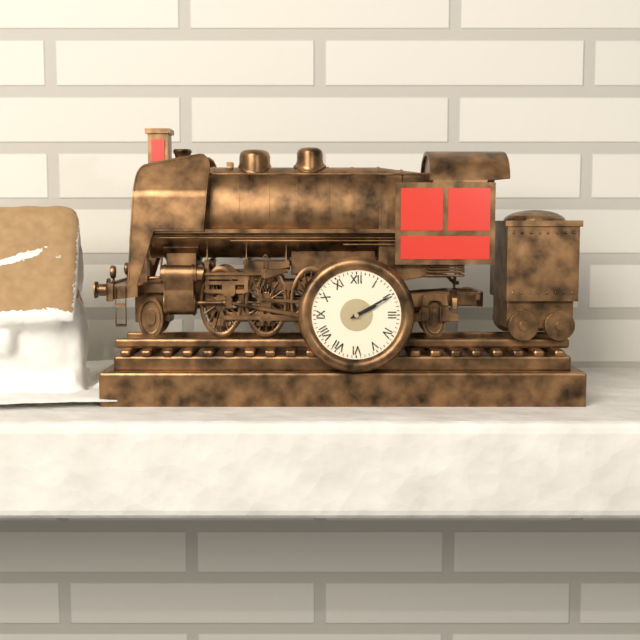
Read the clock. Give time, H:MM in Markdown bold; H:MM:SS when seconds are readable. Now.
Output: **2:10**
